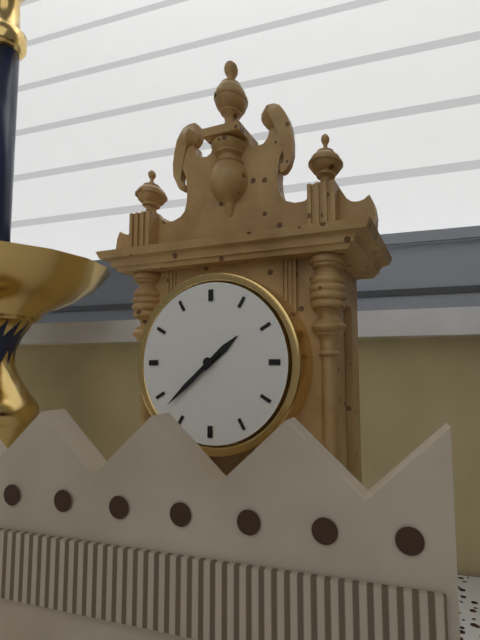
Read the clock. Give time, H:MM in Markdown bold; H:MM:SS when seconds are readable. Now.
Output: **1:38**
